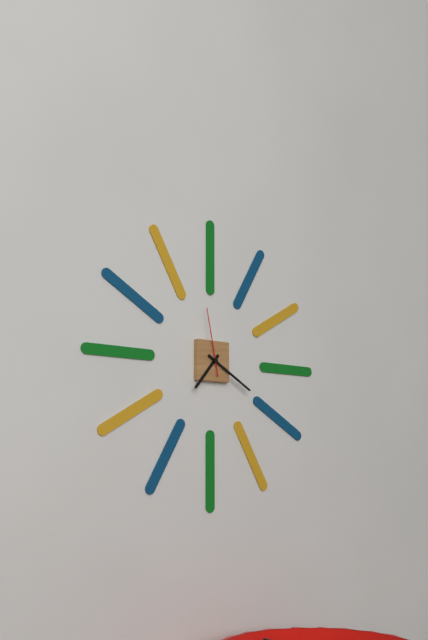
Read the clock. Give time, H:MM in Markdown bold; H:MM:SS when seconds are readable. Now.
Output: **7:20:58**
